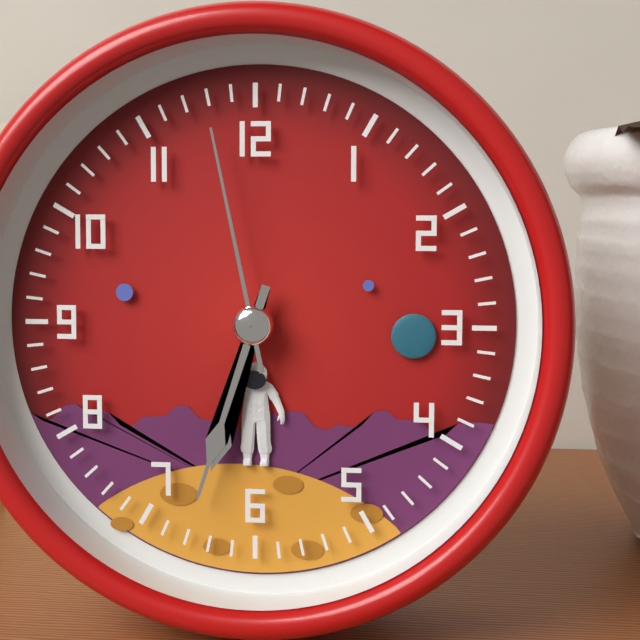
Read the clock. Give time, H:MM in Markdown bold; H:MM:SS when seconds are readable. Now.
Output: **6:33:58**
